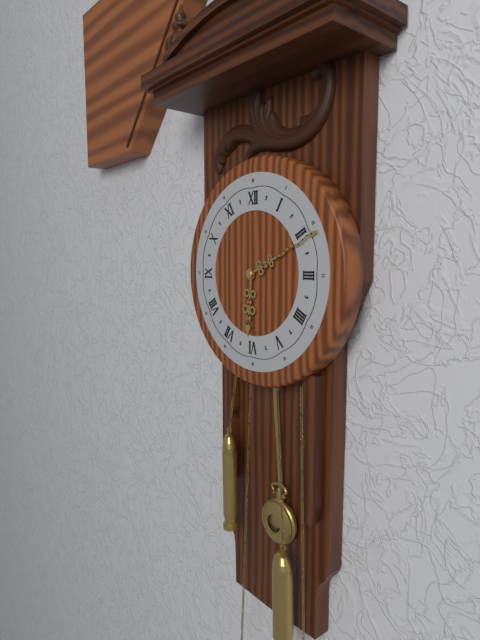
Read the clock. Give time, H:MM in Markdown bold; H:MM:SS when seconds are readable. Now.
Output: **6:11**
